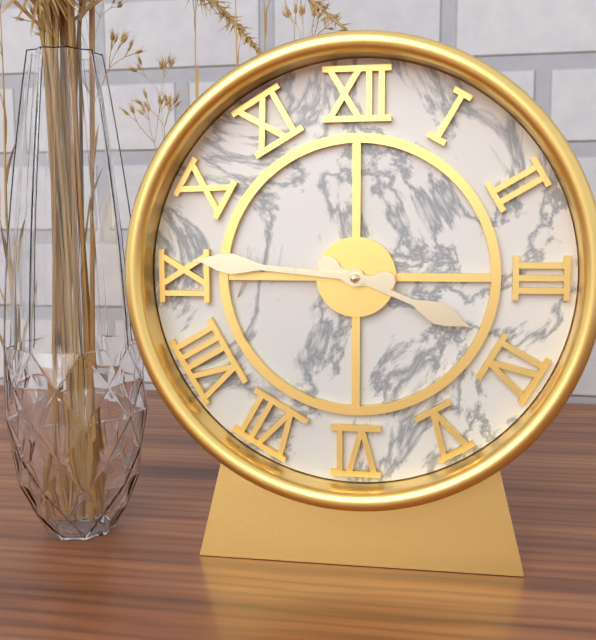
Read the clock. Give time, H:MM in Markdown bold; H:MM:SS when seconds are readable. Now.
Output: **3:46**
